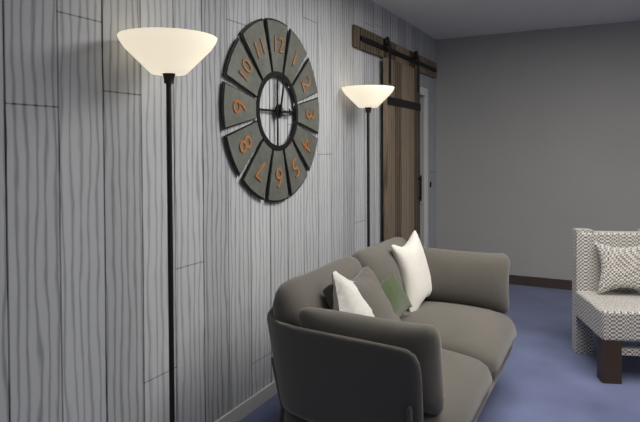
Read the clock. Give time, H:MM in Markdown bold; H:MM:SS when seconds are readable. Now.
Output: **3:02**
